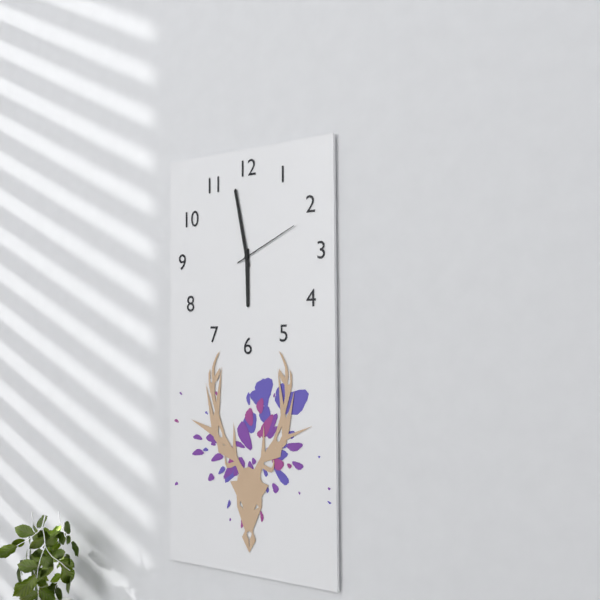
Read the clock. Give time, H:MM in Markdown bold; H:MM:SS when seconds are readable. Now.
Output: **5:58:11**
